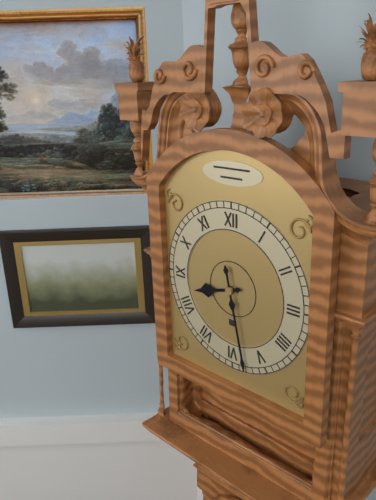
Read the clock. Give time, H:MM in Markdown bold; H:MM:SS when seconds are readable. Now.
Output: **8:28**
